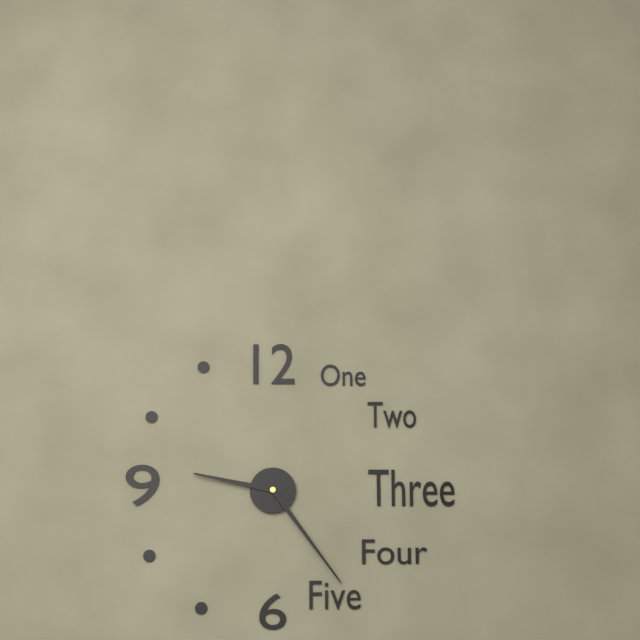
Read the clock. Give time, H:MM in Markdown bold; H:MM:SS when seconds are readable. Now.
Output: **9:24**
